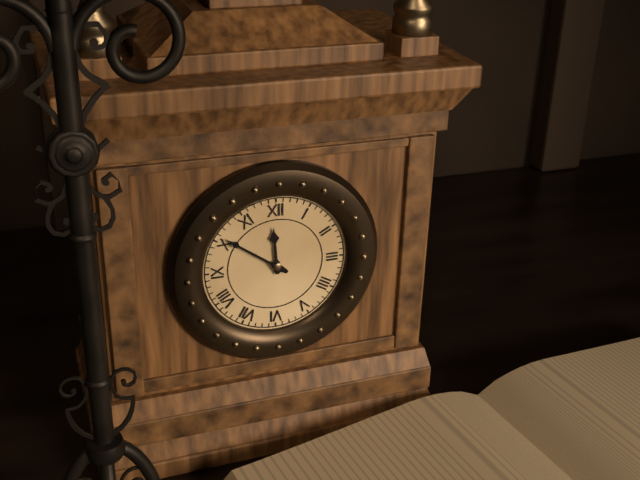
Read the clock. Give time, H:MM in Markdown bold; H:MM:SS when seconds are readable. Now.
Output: **11:51**
